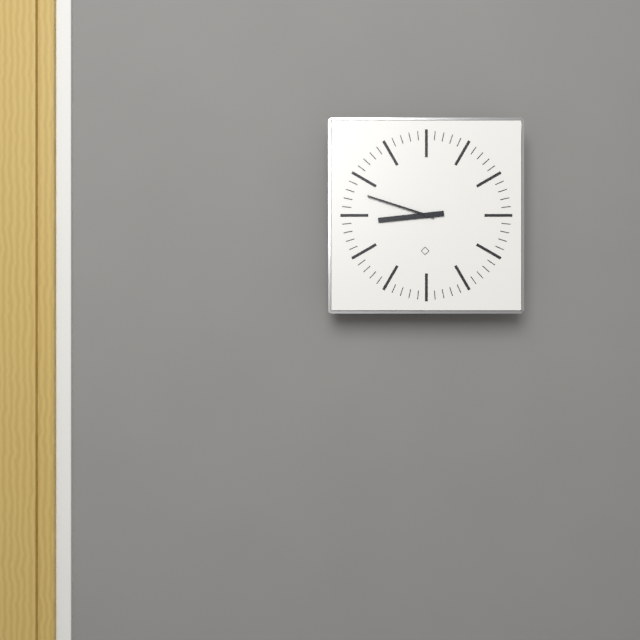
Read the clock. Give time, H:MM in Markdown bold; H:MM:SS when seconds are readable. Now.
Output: **8:48**
